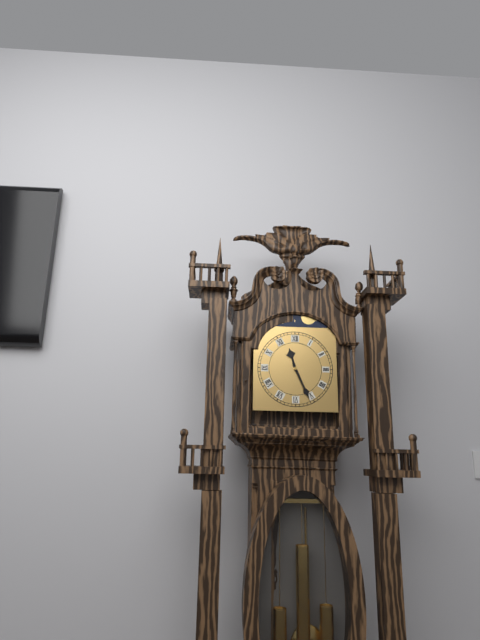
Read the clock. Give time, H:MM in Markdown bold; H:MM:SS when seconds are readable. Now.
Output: **11:26**
